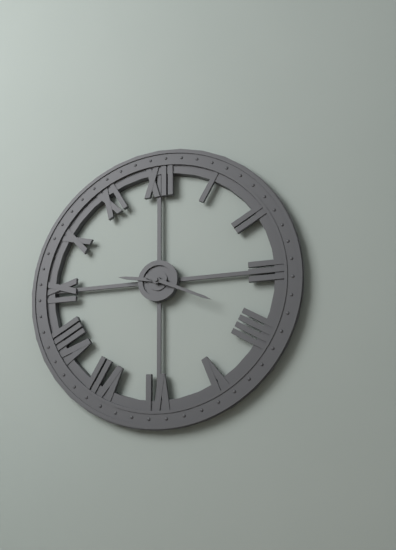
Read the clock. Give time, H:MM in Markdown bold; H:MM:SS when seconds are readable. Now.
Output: **9:19**
